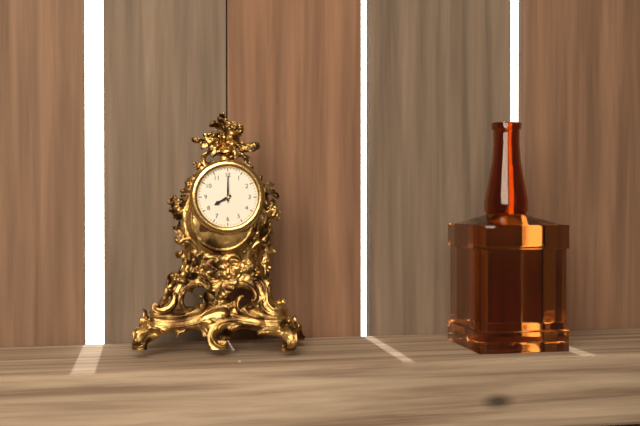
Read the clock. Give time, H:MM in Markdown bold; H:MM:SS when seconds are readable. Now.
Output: **8:00**
